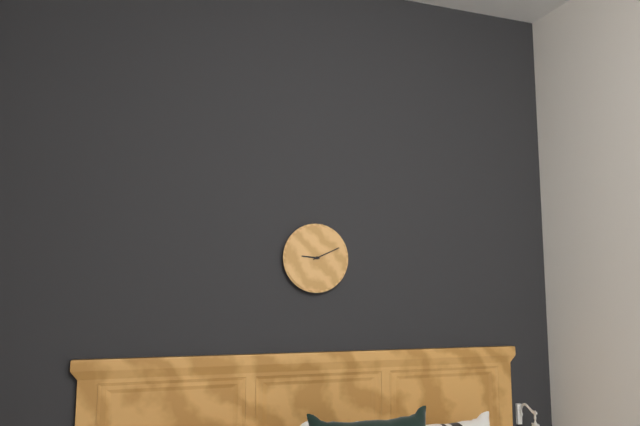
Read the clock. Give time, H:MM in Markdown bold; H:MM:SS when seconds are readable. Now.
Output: **9:11**
